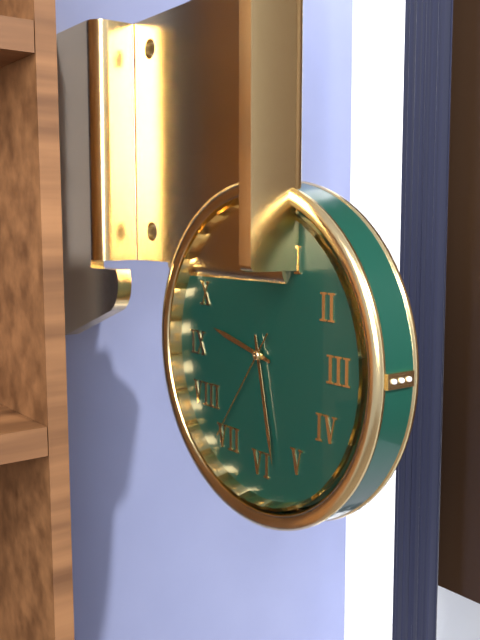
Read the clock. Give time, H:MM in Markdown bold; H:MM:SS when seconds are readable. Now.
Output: **9:28:36**
